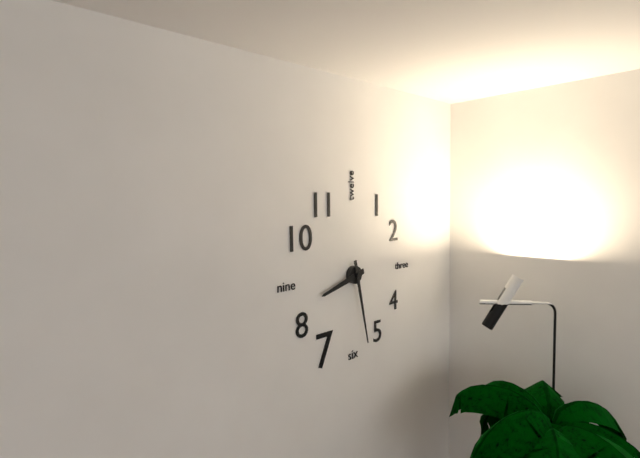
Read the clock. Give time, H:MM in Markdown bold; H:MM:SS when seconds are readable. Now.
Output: **8:28**
